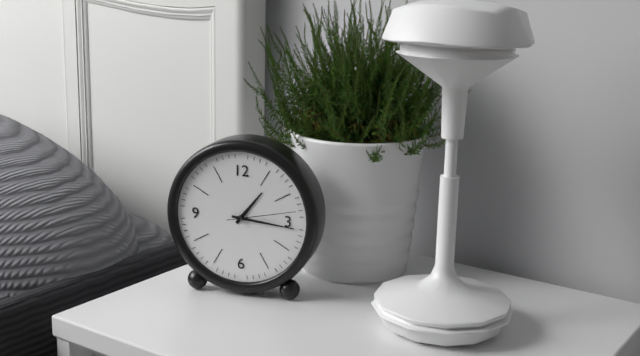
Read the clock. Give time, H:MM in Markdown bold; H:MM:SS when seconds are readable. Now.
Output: **1:16:13**
